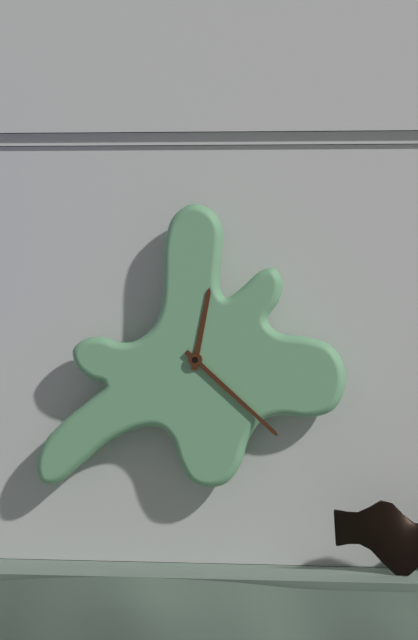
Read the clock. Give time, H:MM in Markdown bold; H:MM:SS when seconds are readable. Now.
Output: **12:22**
